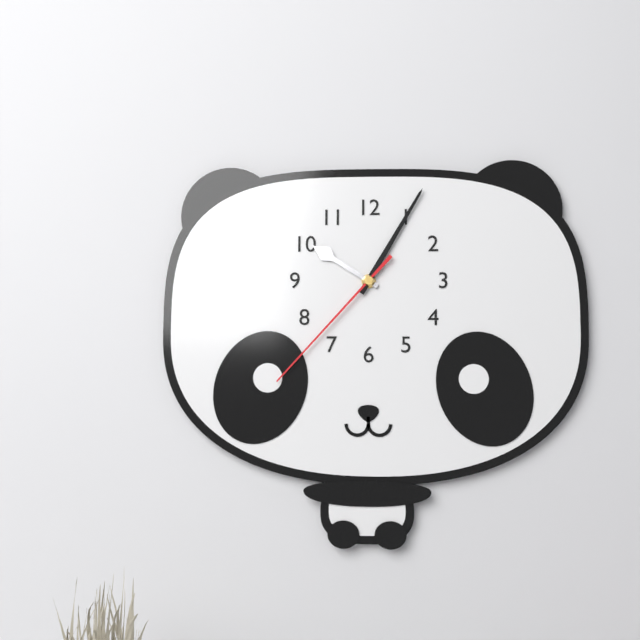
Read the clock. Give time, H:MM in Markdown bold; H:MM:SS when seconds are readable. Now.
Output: **10:05:37**
